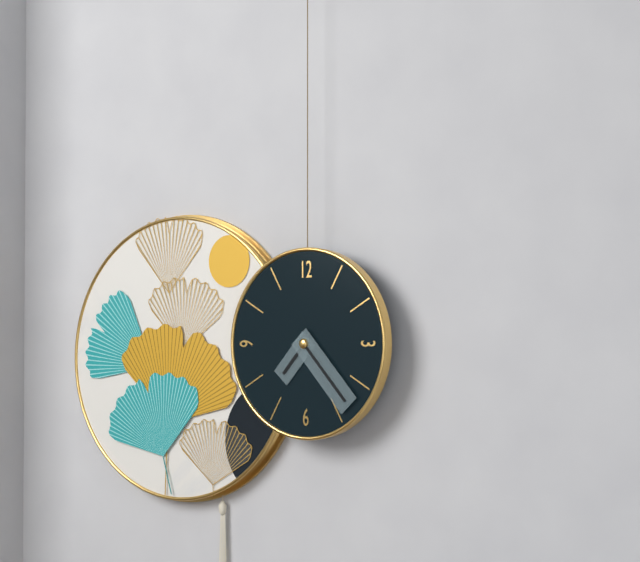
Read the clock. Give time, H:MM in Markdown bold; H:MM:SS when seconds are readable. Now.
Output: **7:23**
